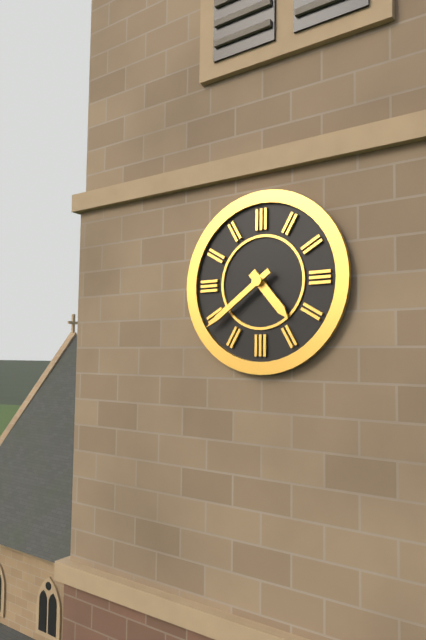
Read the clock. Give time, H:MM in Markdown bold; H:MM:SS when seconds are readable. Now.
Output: **4:39**
